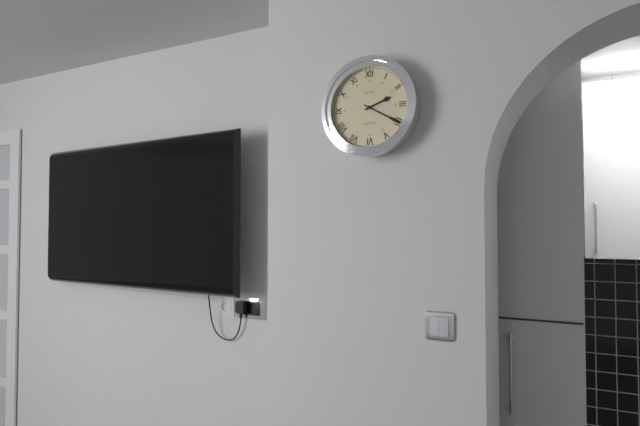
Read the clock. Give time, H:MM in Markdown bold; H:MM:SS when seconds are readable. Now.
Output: **2:20**
